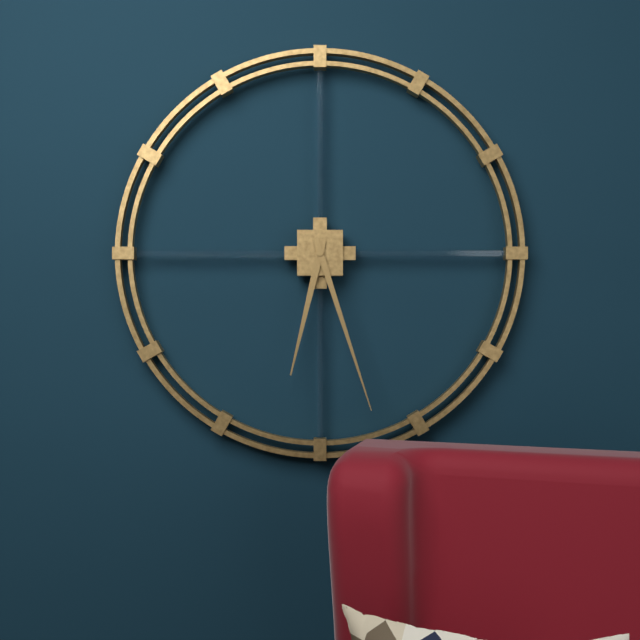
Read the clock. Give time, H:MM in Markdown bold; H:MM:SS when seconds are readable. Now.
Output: **6:27**
